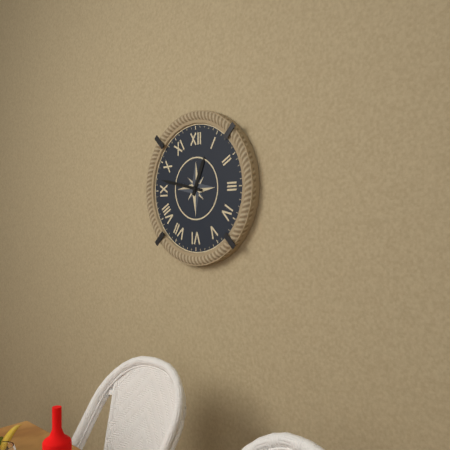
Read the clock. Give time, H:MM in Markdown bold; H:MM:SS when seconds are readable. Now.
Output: **12:47**
